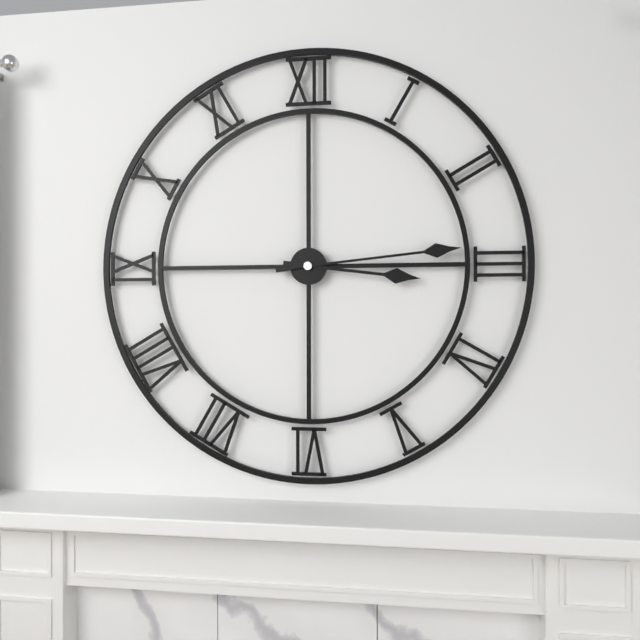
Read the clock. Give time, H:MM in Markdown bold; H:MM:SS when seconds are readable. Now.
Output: **3:14**
